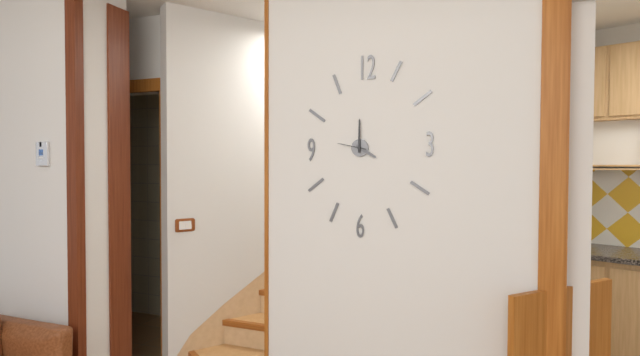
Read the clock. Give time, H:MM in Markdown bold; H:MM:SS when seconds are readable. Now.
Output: **4:00**
